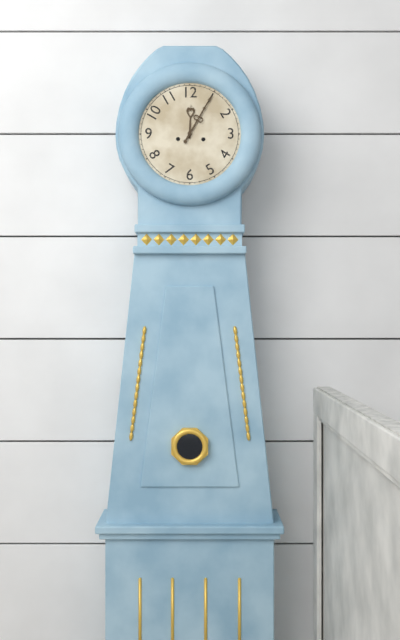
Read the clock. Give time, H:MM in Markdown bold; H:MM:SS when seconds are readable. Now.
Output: **12:05**
